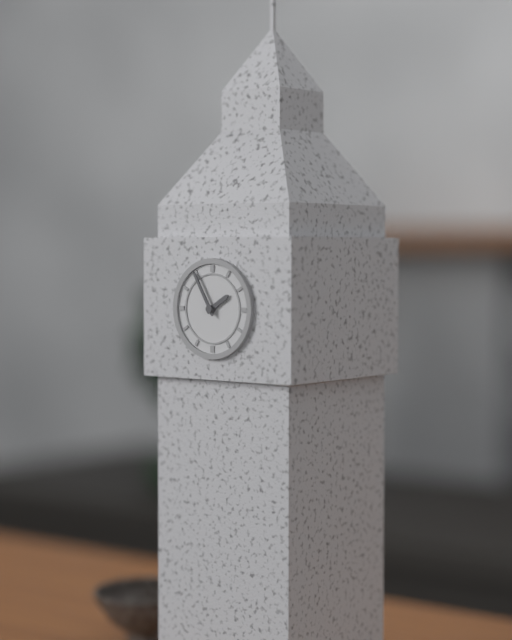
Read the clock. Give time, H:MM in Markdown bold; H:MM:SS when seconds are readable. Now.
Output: **1:55**
